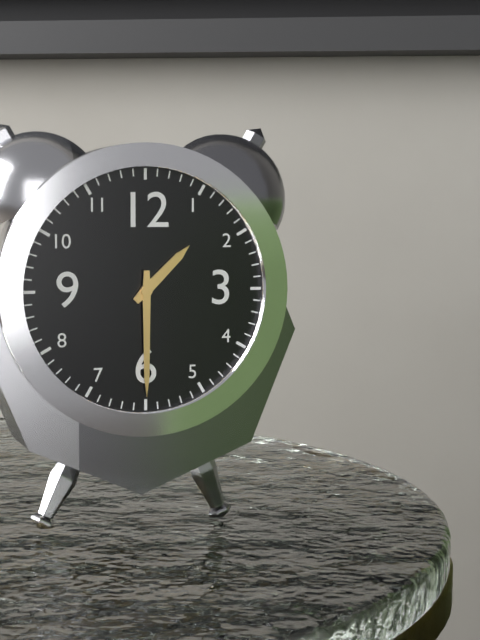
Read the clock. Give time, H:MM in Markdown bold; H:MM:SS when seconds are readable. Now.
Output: **1:30**
